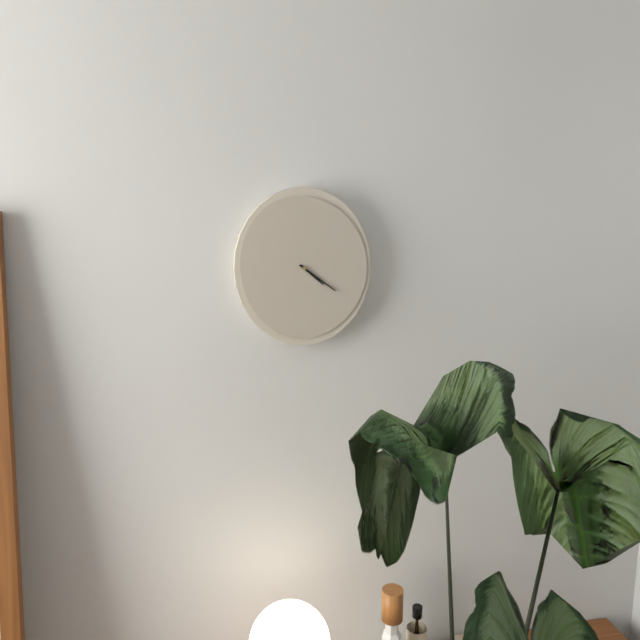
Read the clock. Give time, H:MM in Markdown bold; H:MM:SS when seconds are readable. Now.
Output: **4:21**
